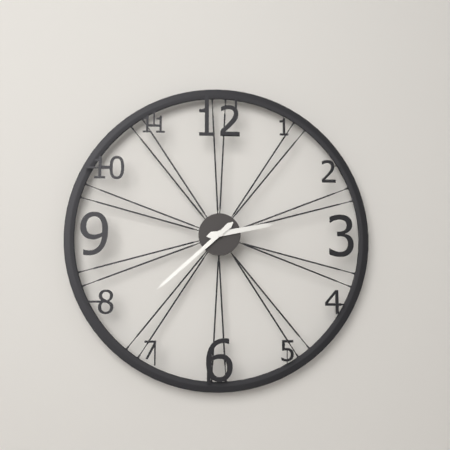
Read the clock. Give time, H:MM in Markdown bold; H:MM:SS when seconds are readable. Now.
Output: **2:38**
